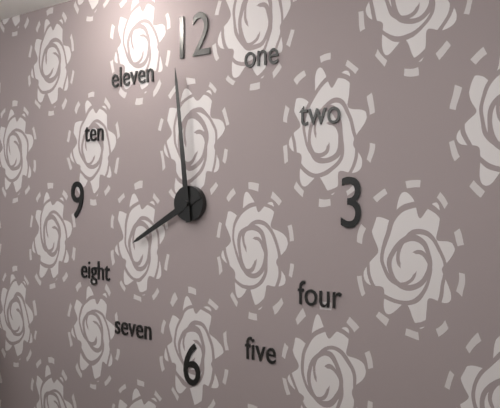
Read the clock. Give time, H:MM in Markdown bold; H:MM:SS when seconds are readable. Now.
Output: **7:59**
